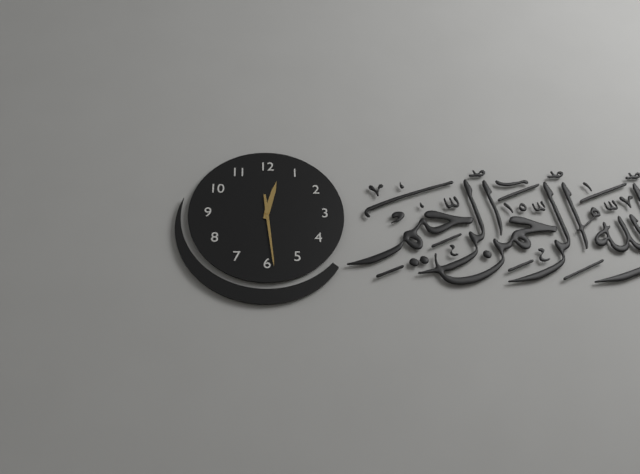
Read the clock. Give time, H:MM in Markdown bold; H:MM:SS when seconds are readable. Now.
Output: **12:29**
